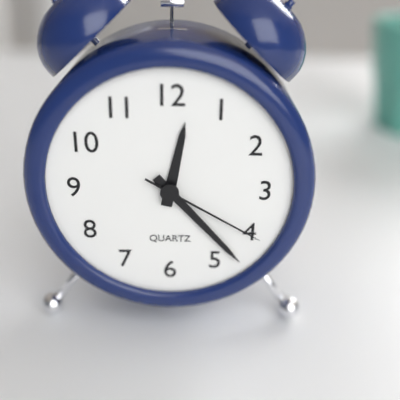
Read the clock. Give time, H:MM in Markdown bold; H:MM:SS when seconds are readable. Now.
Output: **12:23:20**
